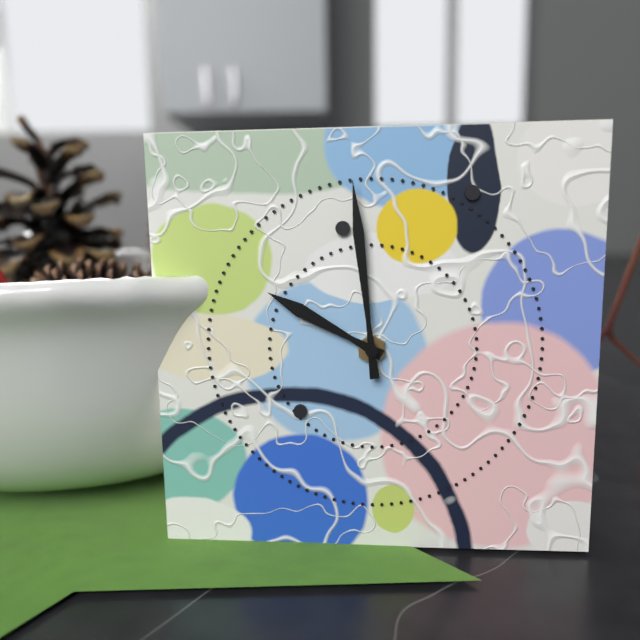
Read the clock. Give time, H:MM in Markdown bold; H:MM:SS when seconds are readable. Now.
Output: **9:59**
